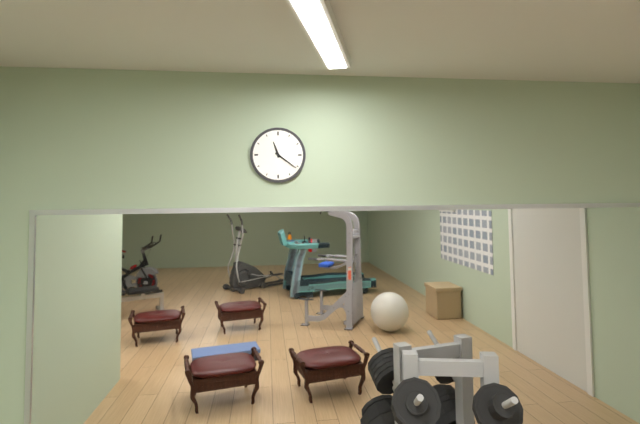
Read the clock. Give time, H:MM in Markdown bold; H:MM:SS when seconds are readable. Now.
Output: **11:21**
